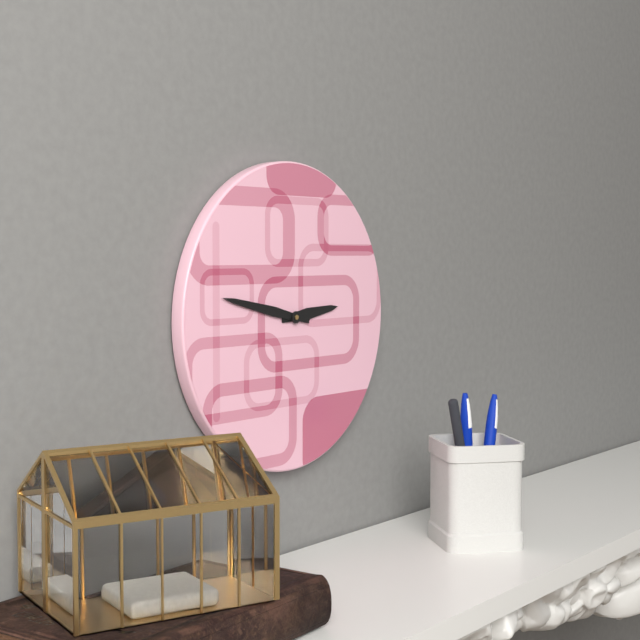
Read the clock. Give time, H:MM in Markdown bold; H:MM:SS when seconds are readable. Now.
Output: **2:47**
